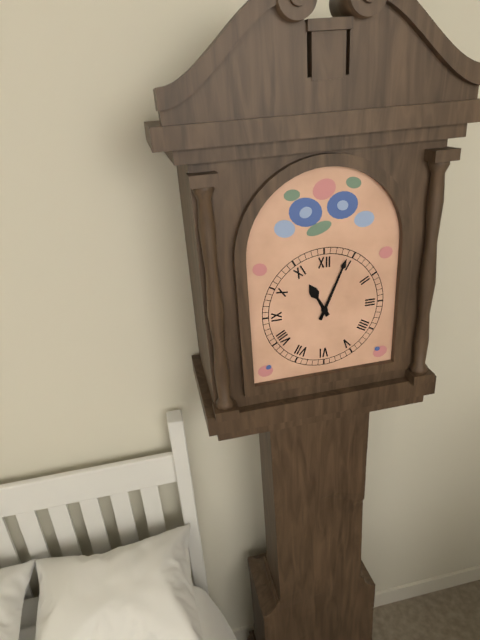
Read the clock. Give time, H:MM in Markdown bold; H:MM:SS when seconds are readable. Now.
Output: **11:04**
